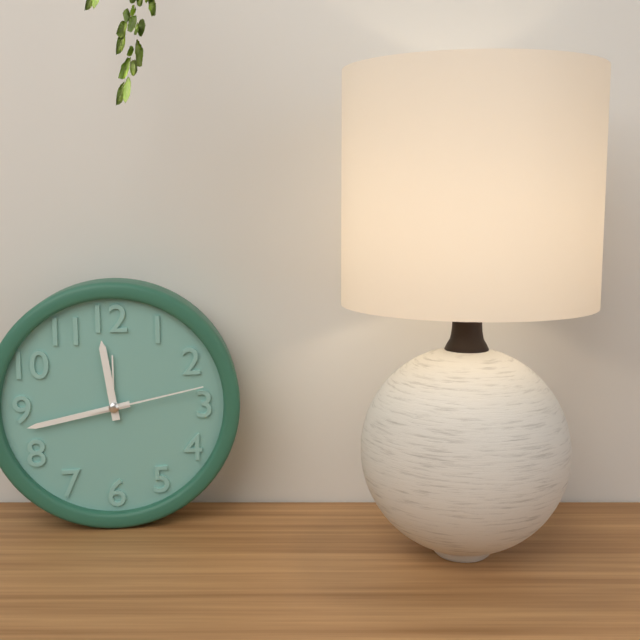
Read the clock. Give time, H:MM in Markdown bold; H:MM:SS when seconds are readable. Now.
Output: **11:43:13**
